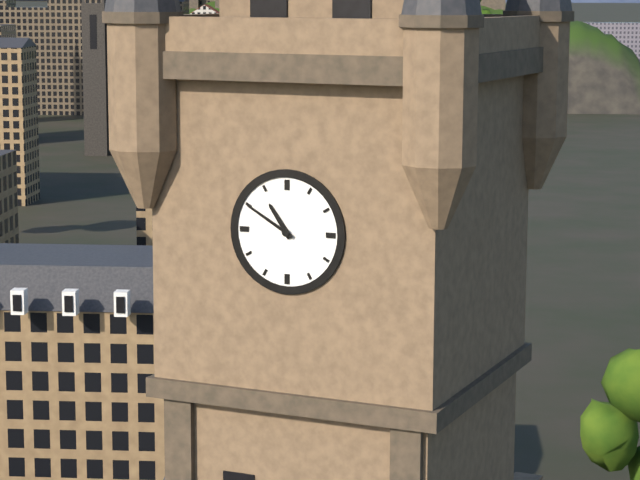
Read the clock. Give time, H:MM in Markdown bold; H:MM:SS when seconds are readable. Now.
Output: **10:50**
